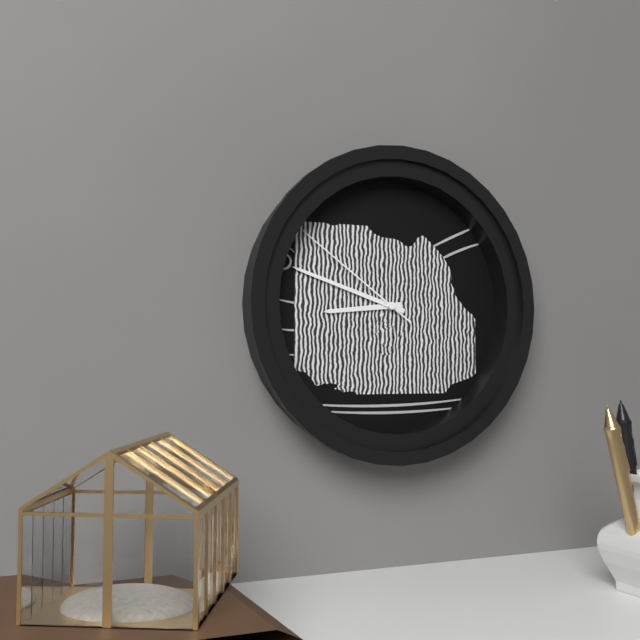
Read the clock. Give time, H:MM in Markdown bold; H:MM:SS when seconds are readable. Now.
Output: **8:48:51**
